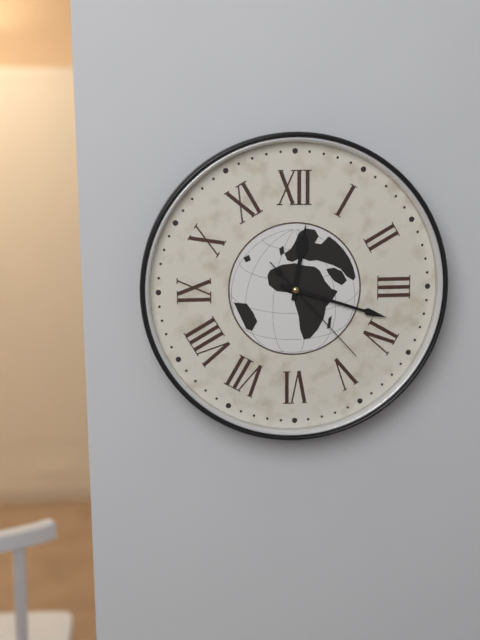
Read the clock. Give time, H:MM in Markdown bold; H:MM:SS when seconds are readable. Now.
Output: **12:18:23**
